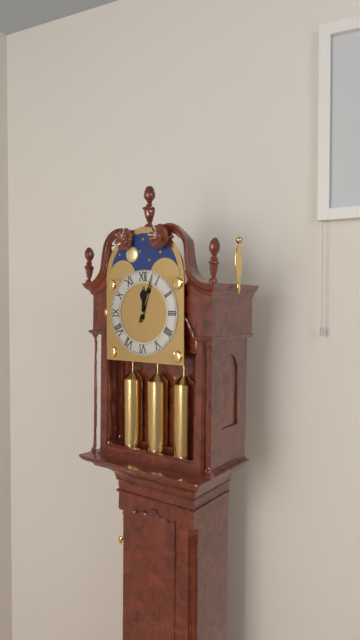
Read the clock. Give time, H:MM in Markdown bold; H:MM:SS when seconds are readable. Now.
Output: **12:03**
